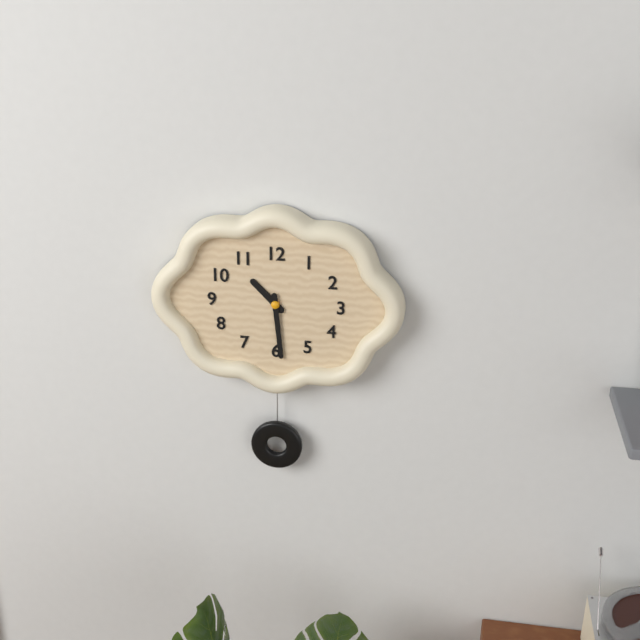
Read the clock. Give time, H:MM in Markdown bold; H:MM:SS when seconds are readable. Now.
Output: **10:29**
